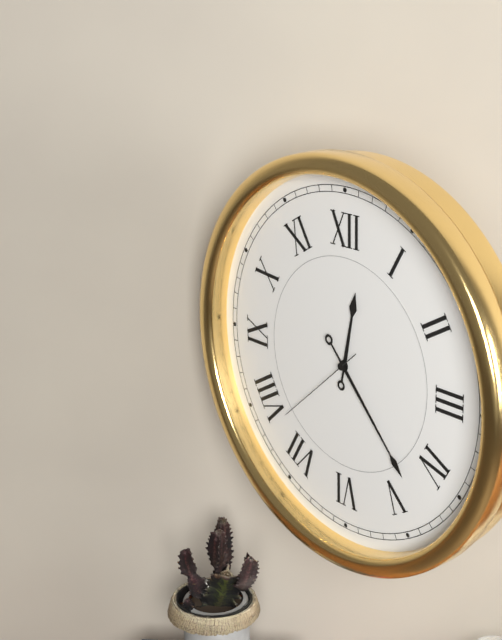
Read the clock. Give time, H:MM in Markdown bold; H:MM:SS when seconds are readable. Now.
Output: **12:23:38**
